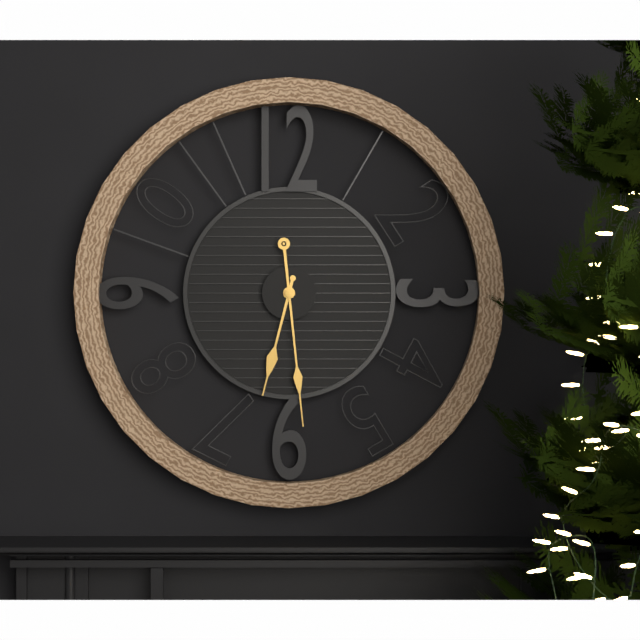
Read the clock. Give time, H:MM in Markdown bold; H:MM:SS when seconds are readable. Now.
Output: **6:29**
